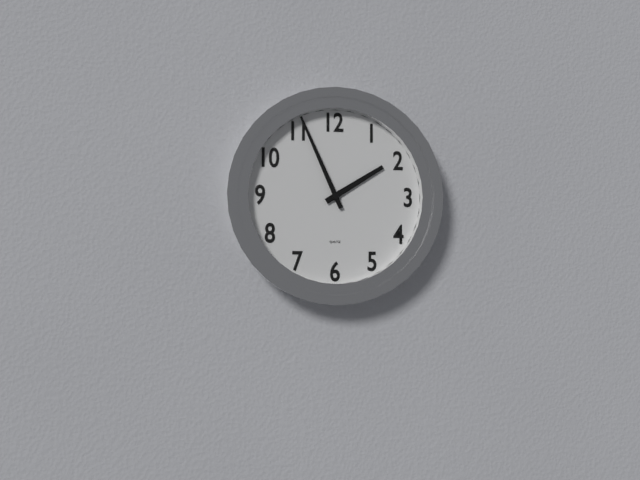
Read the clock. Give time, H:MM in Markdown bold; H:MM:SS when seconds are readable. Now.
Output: **1:56**
